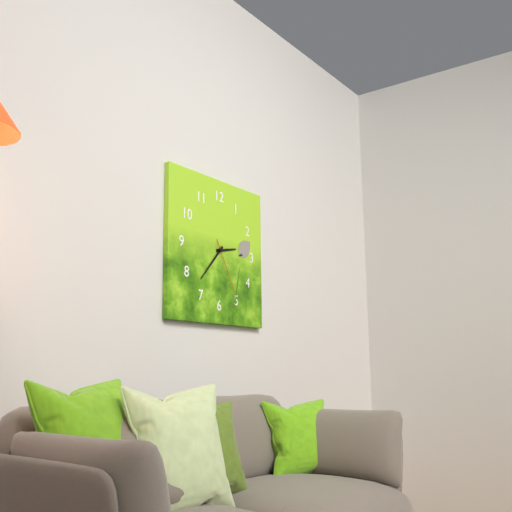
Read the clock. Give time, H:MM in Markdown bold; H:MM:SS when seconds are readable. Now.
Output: **2:37:25**
